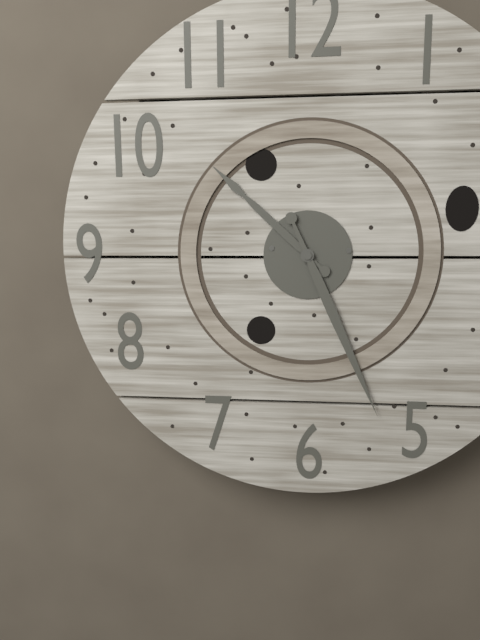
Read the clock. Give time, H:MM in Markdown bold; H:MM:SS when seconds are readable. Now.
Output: **10:26**
